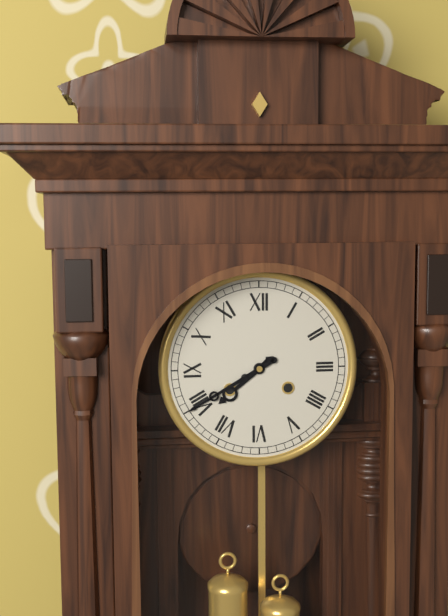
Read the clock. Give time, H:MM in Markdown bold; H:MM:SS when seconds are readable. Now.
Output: **7:40**
